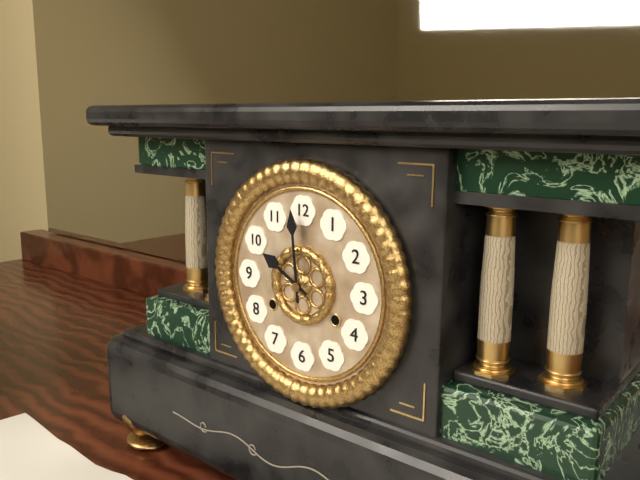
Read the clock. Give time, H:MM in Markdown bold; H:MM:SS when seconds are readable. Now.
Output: **9:59**
